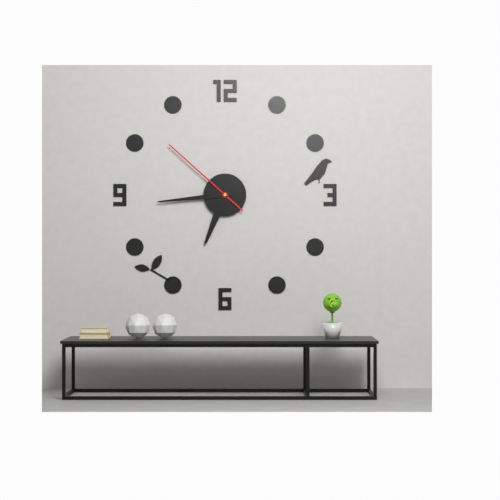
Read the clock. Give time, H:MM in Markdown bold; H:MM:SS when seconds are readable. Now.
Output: **6:44:52**
